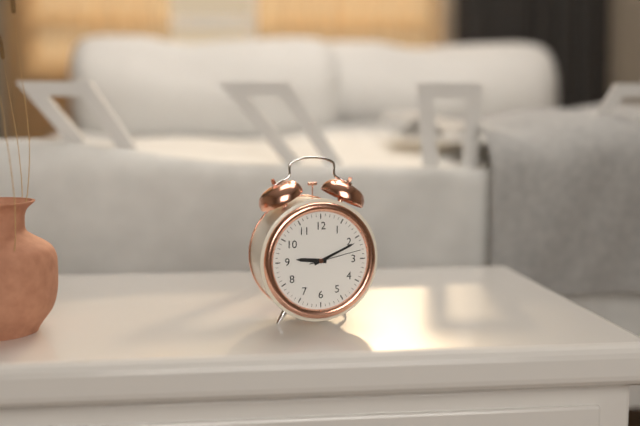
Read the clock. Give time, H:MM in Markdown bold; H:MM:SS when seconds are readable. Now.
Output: **9:11:13**
